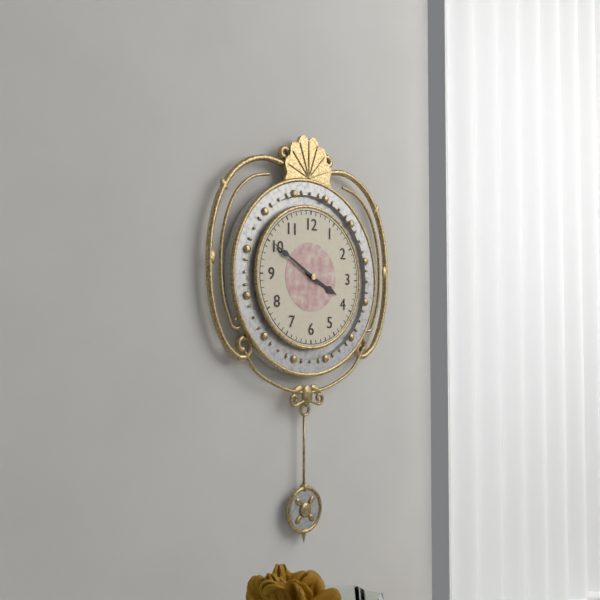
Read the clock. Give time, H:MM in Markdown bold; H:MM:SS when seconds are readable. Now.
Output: **3:50**
